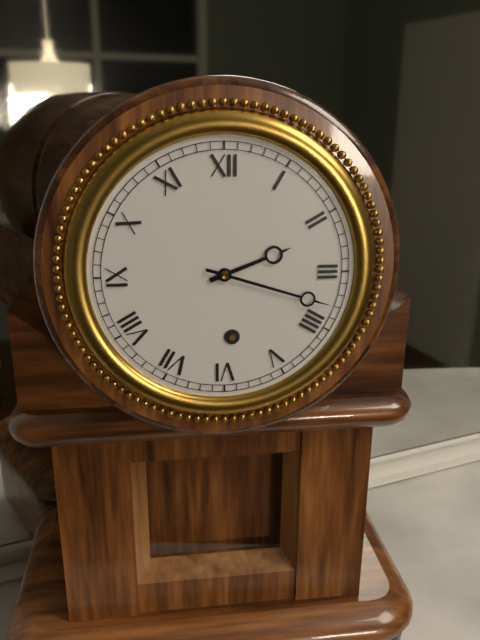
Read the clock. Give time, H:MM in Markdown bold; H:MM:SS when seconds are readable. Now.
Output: **2:18**
